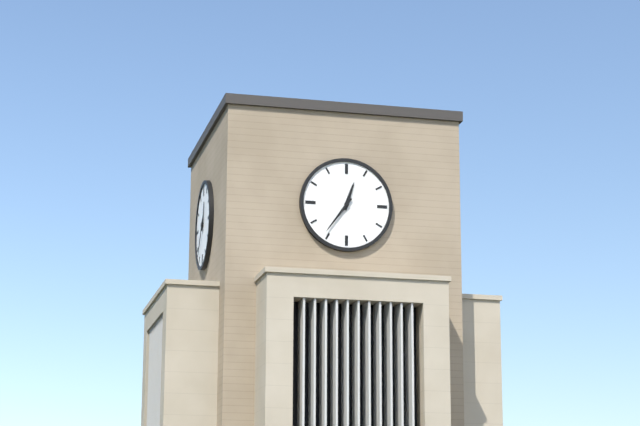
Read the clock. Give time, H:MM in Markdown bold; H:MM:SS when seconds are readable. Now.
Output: **12:36**
